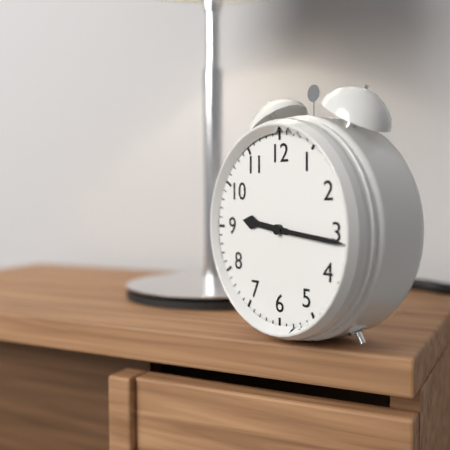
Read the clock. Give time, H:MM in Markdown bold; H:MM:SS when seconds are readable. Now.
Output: **9:16**
